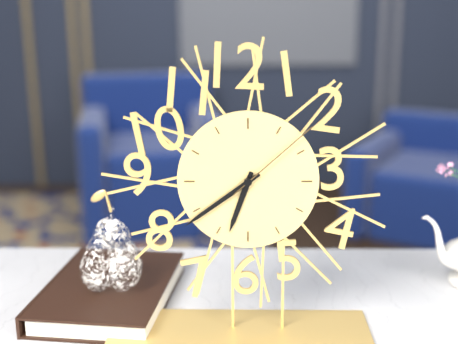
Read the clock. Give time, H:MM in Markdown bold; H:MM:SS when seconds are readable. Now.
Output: **6:39:08**
